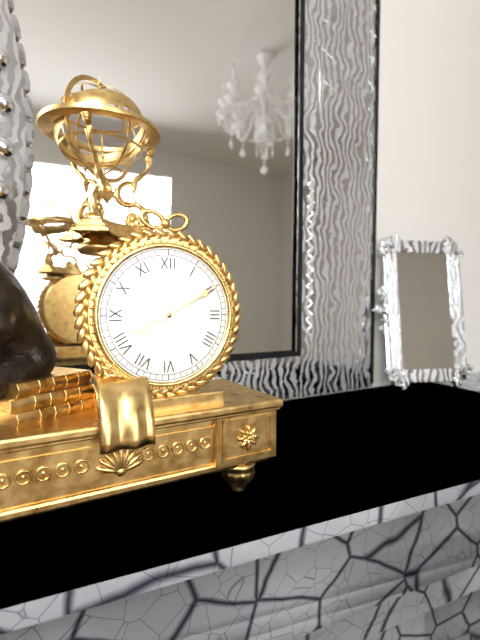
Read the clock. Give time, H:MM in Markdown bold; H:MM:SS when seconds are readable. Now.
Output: **8:10**
